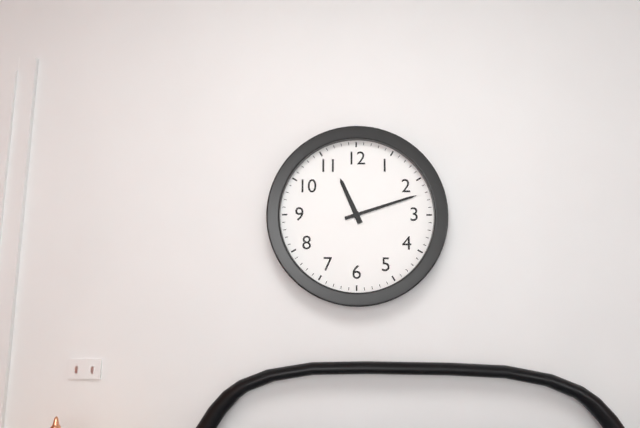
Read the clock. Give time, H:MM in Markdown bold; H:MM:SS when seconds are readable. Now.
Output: **11:12**
